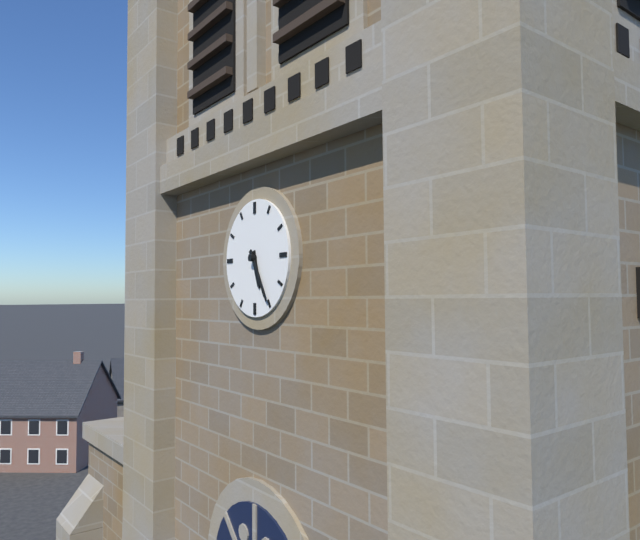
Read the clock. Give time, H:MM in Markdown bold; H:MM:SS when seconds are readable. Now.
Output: **5:25**
